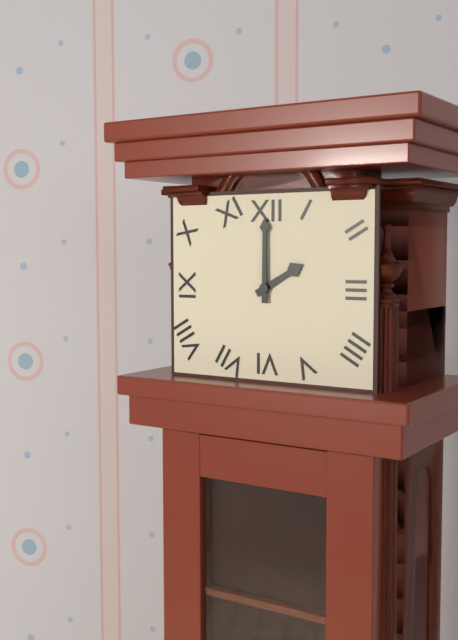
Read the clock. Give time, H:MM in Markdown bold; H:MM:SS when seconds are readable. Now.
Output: **2:00**
